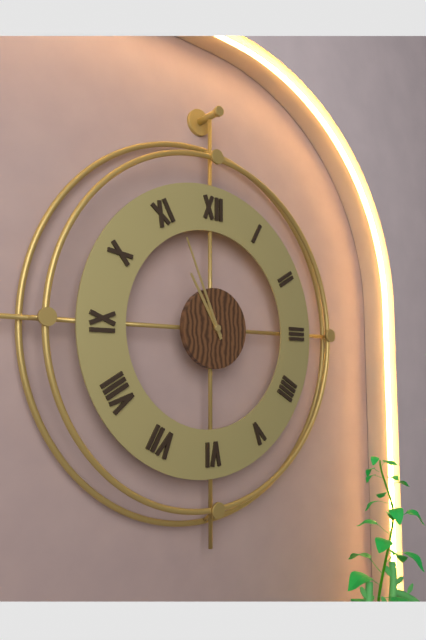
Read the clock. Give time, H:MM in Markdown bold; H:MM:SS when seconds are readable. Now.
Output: **10:56**
